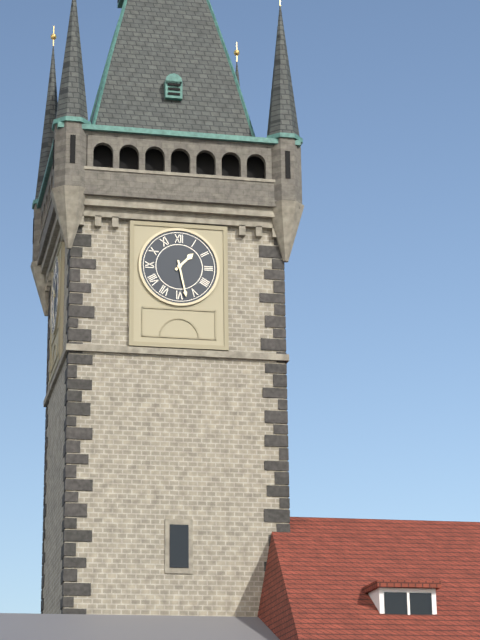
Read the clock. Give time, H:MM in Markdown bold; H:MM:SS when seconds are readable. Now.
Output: **1:28**
